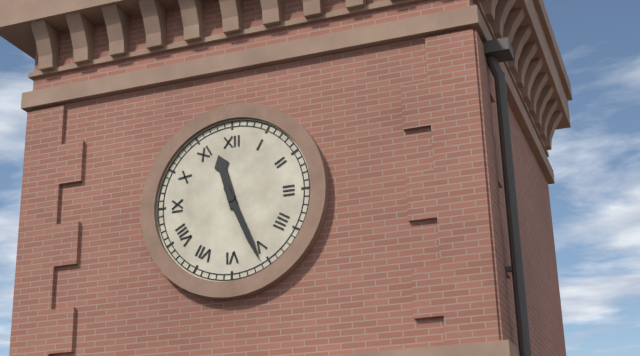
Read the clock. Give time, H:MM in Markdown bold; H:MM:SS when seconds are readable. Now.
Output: **11:26**
